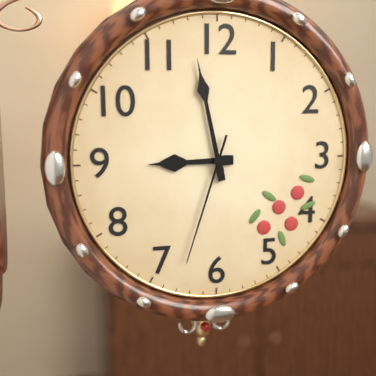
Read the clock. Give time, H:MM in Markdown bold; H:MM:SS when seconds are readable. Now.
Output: **8:58:33**
